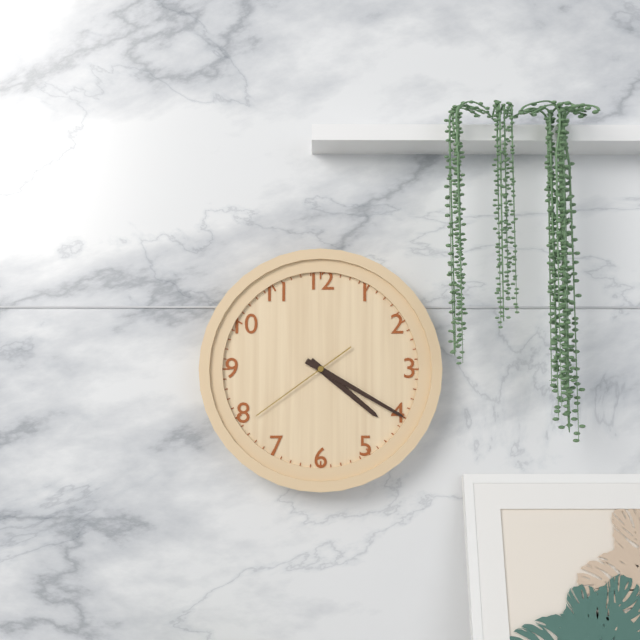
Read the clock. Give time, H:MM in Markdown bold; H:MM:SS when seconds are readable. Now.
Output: **4:20:39**
